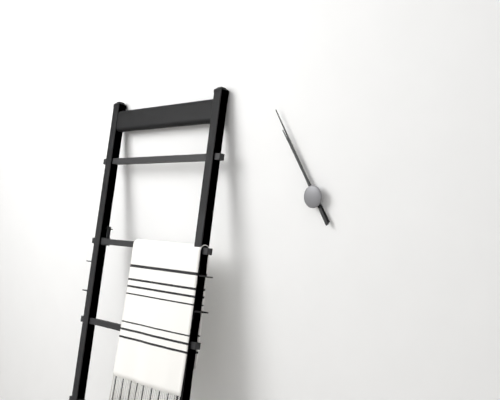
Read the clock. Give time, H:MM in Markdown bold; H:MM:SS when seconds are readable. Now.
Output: **10:55**
